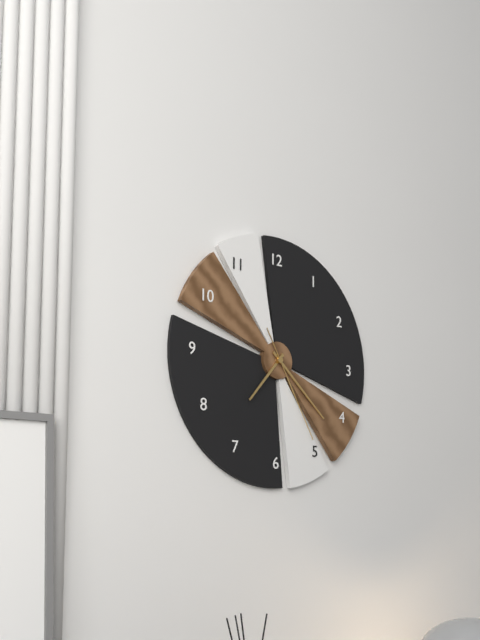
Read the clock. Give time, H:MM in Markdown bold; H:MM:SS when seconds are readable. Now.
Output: **7:22:25**
